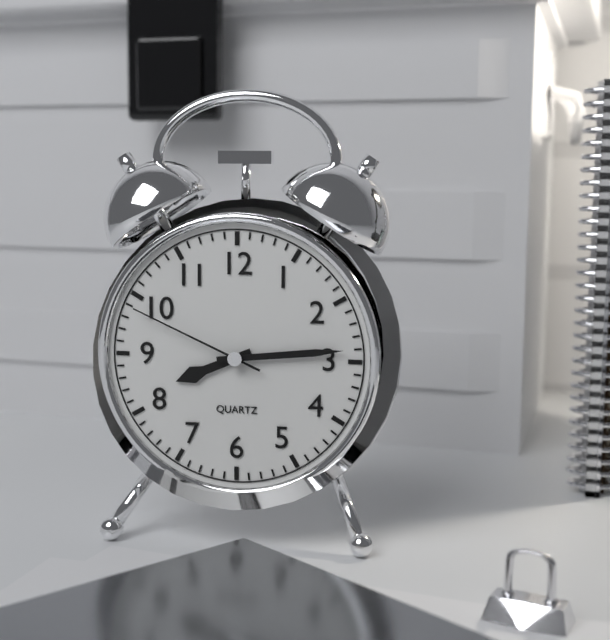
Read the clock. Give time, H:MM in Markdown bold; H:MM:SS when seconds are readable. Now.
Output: **8:14:49**
